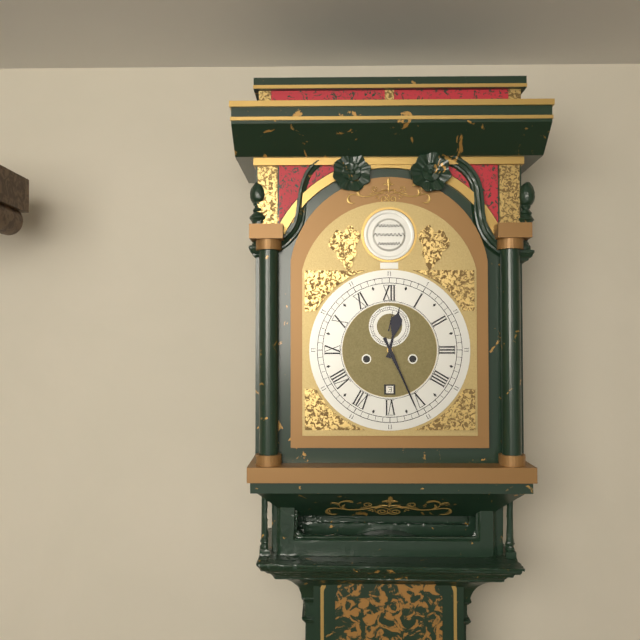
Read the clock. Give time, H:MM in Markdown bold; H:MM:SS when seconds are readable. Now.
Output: **12:26**
